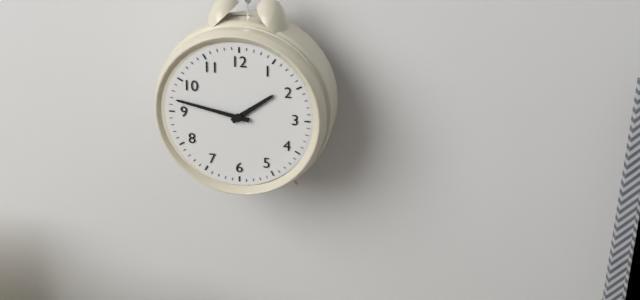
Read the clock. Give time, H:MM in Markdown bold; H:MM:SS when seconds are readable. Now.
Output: **1:47**
